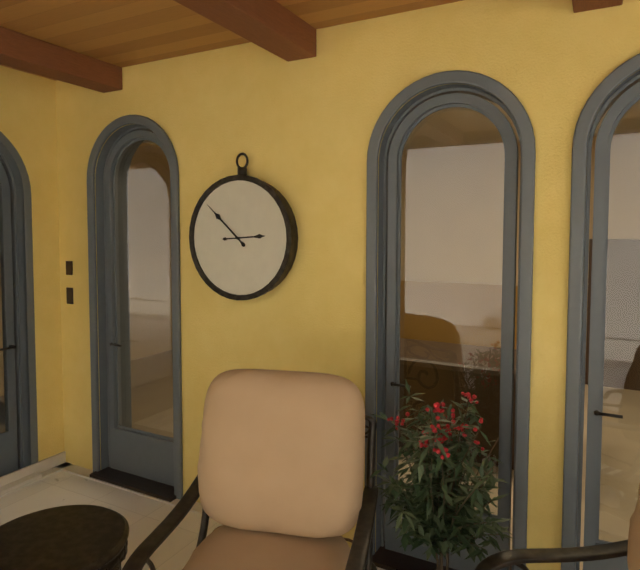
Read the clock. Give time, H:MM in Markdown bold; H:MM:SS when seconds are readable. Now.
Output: **2:52**
